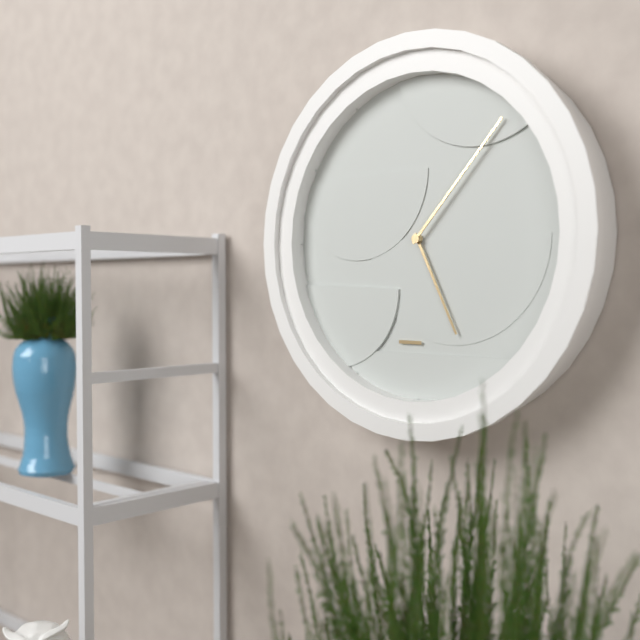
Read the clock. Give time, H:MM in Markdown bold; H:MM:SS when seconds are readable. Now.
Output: **5:07**
